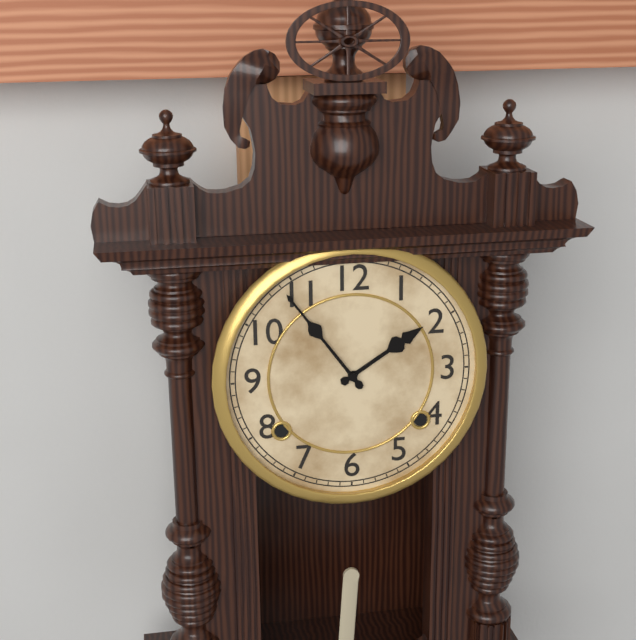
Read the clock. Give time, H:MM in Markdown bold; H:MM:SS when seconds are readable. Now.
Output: **1:54**
